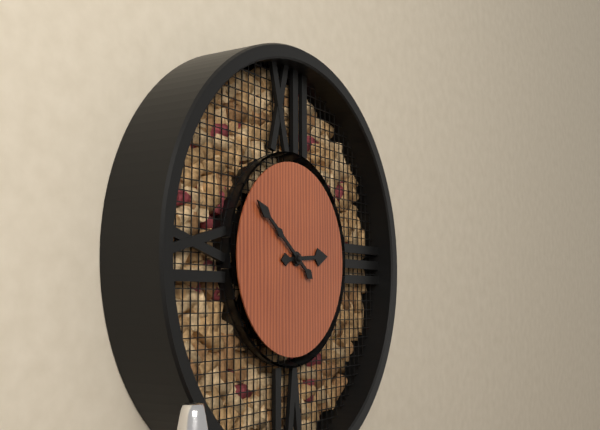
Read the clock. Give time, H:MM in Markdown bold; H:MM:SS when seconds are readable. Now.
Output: **2:51**
